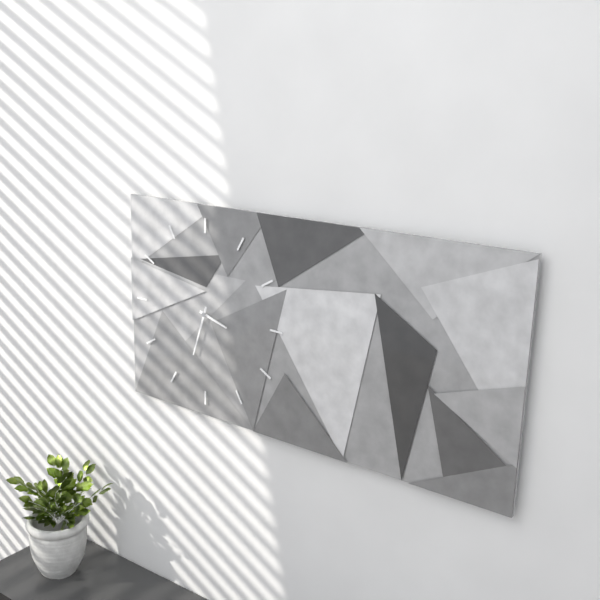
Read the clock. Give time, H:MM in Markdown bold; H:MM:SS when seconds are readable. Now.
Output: **3:33**
